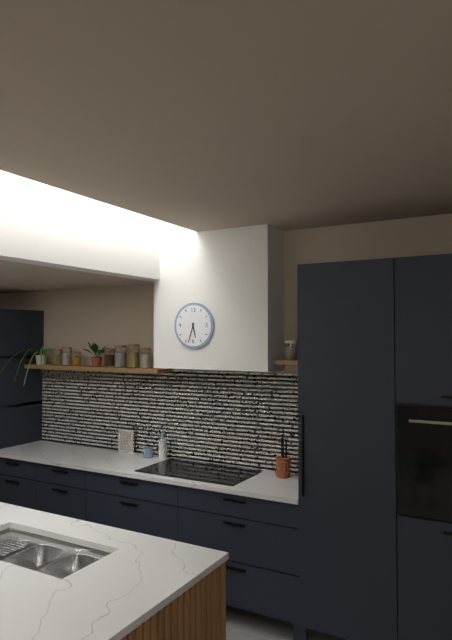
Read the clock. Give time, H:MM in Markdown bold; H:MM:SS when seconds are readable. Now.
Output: **5:33**
